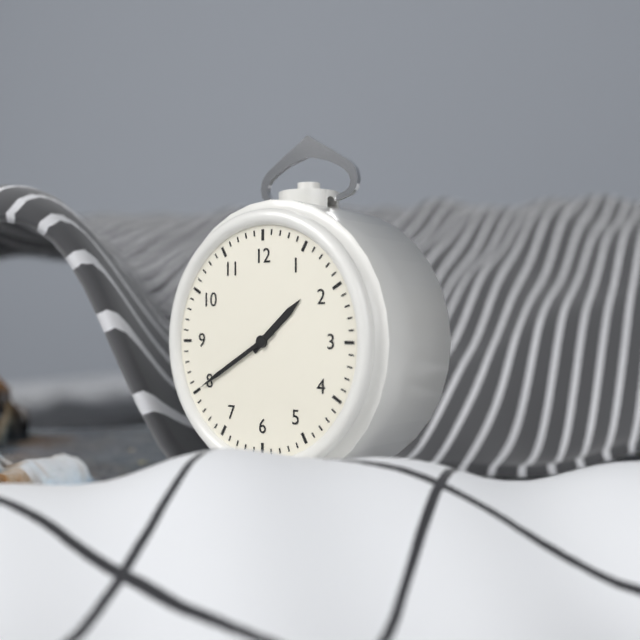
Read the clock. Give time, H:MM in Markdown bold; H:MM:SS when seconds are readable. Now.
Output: **1:40**
